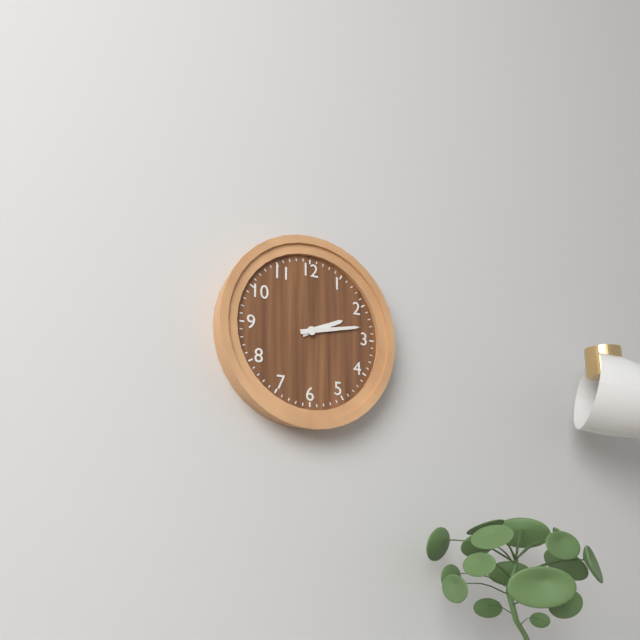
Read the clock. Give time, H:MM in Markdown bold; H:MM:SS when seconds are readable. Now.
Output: **2:13**
